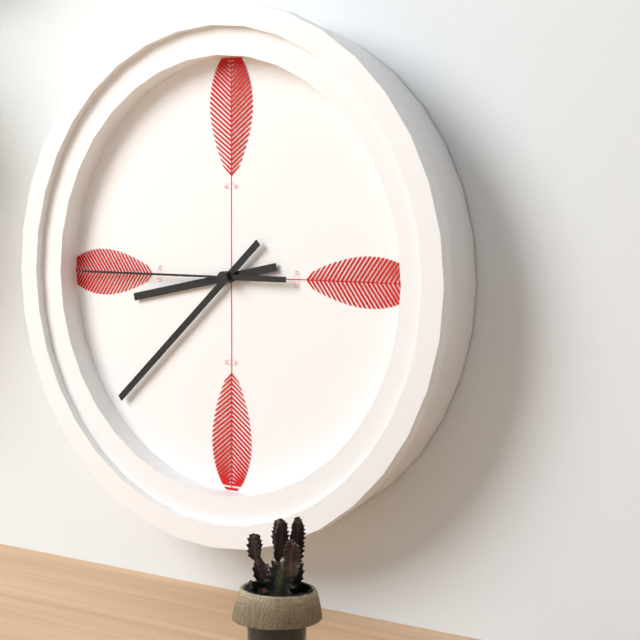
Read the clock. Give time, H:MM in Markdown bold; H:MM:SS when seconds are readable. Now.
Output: **8:38:45**
